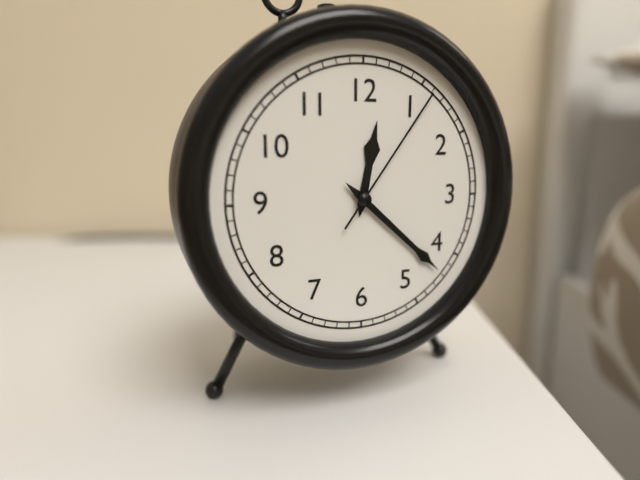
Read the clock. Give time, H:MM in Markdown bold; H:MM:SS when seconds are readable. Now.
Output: **12:22:06**
